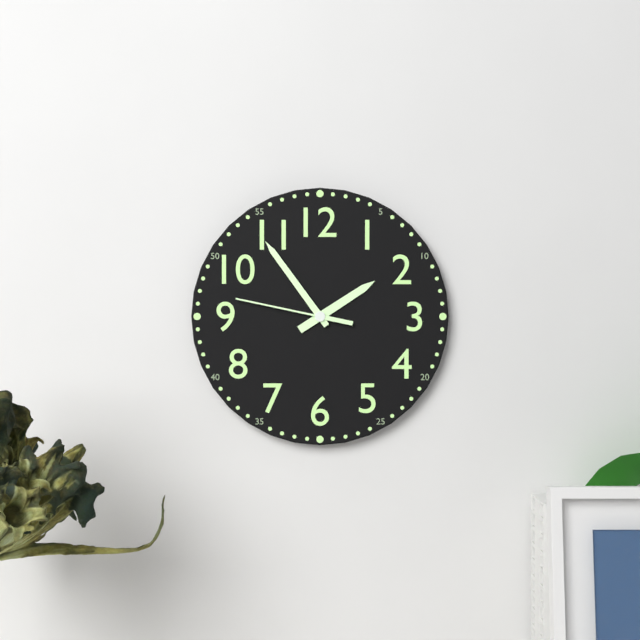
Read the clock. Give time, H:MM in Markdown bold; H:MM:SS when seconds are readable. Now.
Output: **1:54:47**
